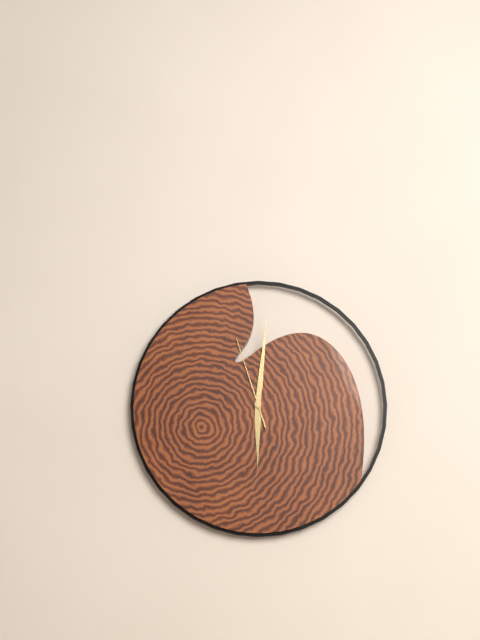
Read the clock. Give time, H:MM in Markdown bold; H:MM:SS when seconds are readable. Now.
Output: **6:01:57**
